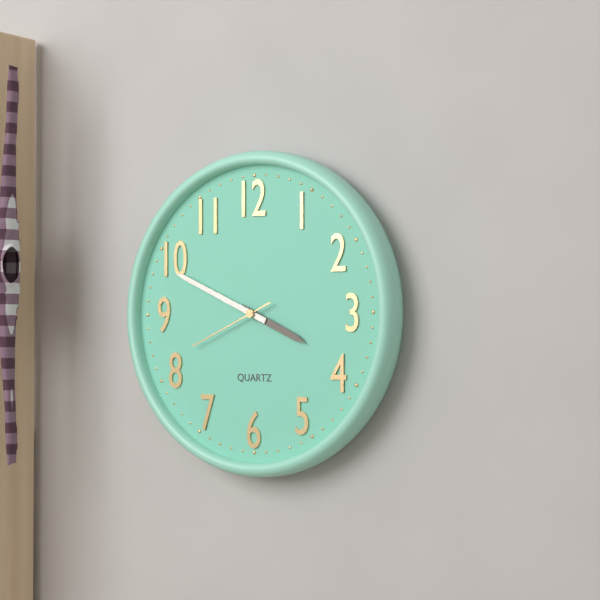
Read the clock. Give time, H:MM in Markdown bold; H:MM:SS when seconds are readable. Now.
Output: **3:49:41**
